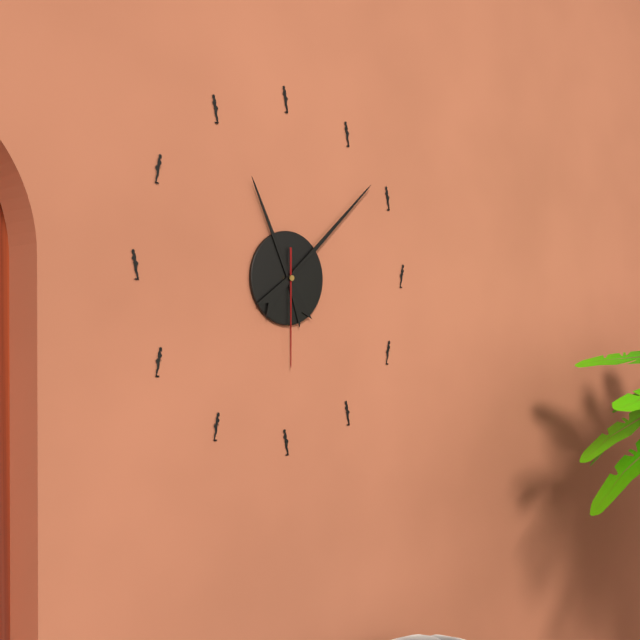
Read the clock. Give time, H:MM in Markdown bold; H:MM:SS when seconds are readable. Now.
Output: **11:08:30**
